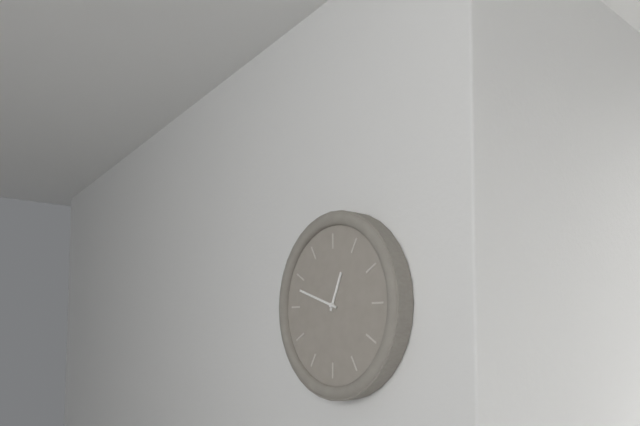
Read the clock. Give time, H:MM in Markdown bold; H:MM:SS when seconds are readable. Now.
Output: **12:48**
